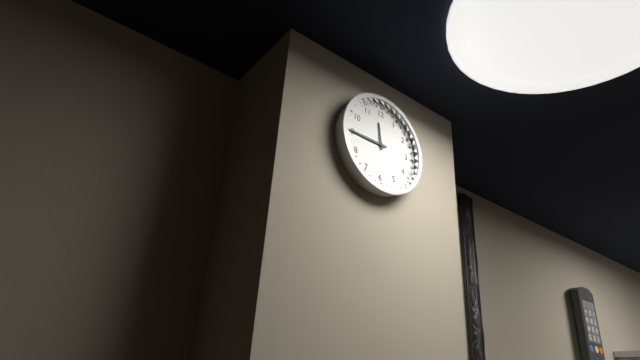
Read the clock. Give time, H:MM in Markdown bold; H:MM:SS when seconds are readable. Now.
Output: **11:45**
